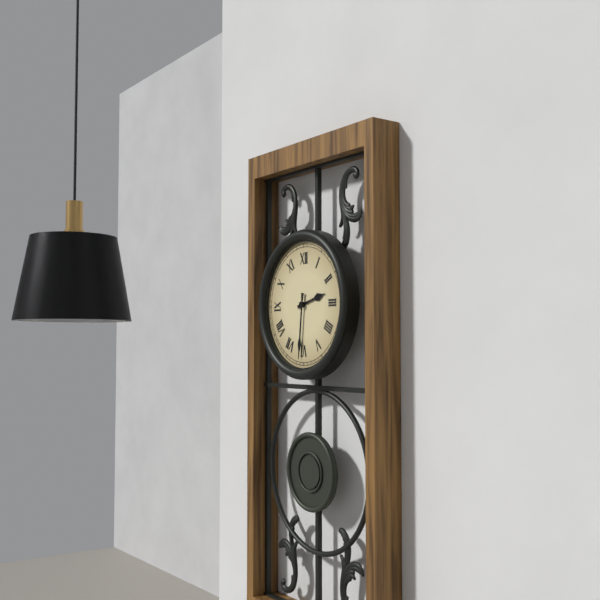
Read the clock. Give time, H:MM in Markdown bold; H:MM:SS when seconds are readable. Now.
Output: **2:31**
